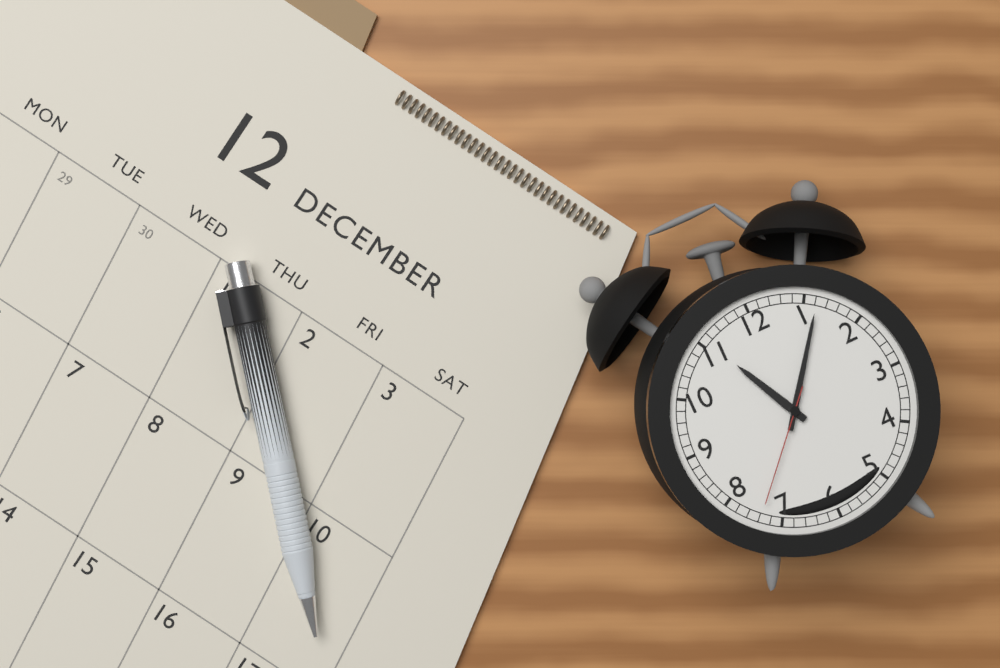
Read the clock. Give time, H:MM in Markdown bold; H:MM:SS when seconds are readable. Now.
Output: **11:06:37**
